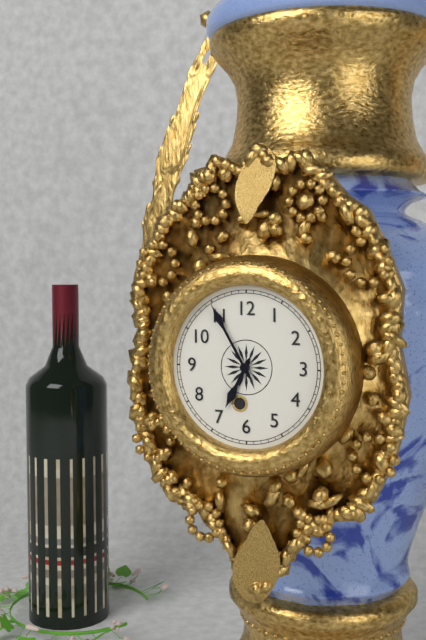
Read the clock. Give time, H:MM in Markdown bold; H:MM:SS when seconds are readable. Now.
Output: **6:55**
